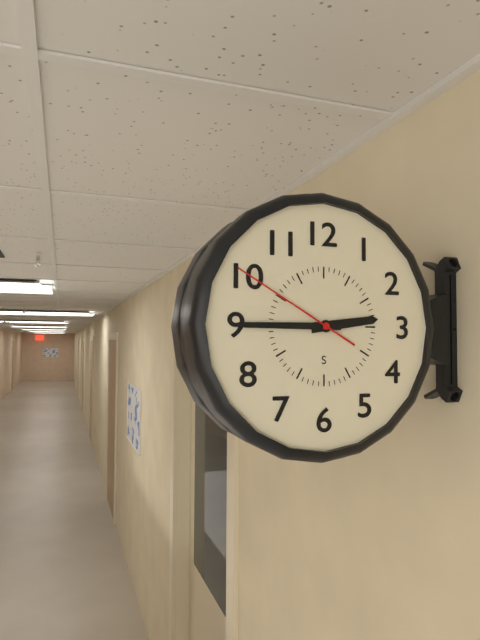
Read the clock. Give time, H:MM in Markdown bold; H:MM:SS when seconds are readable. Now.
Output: **2:45:50**
